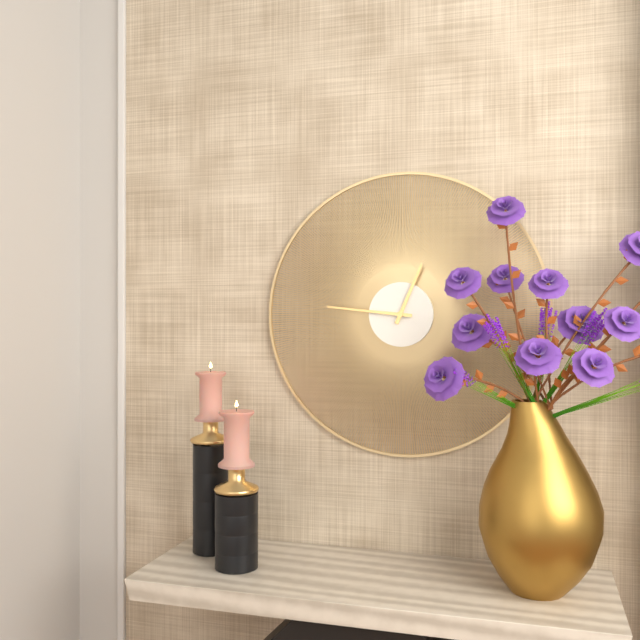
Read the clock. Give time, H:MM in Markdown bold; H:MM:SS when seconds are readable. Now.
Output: **12:46**
